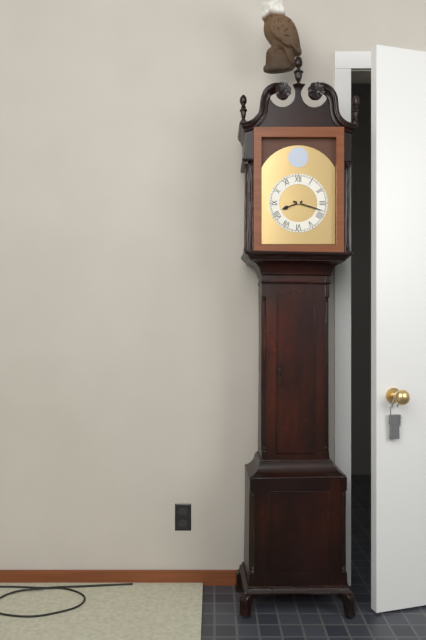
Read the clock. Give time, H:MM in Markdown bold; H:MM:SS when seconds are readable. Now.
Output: **8:18**
